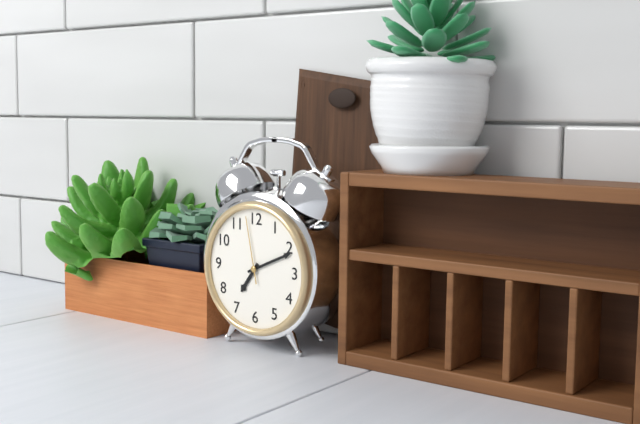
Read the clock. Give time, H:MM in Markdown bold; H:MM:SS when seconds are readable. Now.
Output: **7:11:58**
